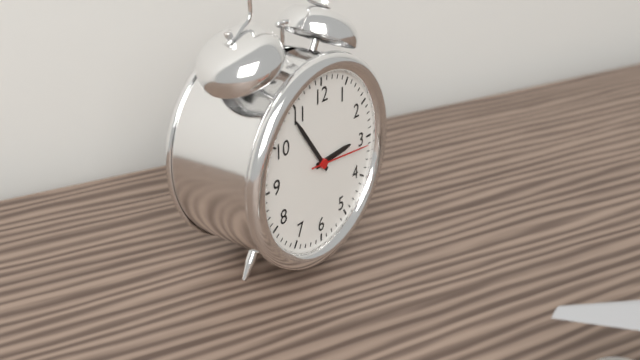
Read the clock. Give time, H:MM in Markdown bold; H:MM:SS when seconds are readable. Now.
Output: **2:54:16**
